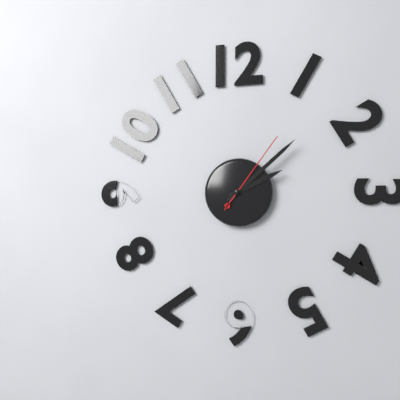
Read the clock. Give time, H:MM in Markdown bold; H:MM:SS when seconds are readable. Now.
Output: **2:08:06**
